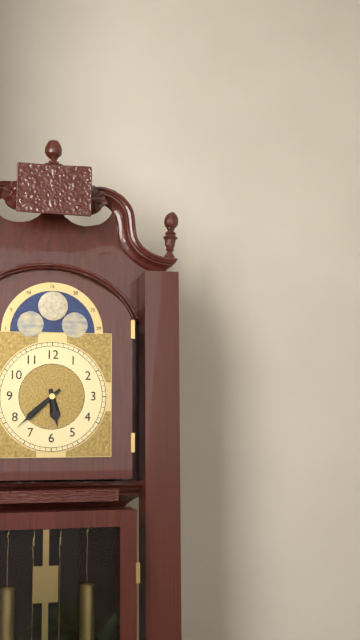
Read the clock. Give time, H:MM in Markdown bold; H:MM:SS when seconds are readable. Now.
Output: **5:38**
